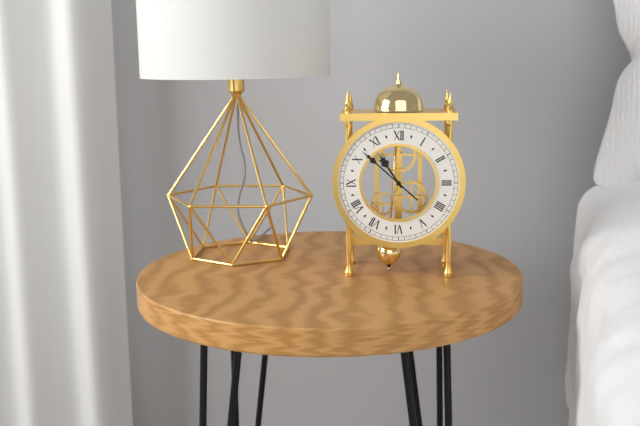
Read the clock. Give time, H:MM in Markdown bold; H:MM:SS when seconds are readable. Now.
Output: **10:52**
